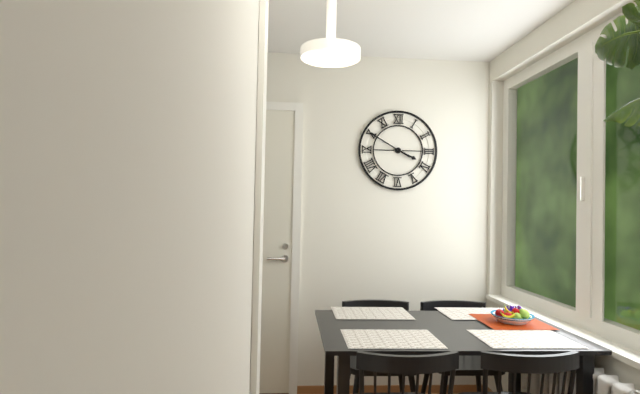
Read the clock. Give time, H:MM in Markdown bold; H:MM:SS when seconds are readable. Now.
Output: **3:50**
